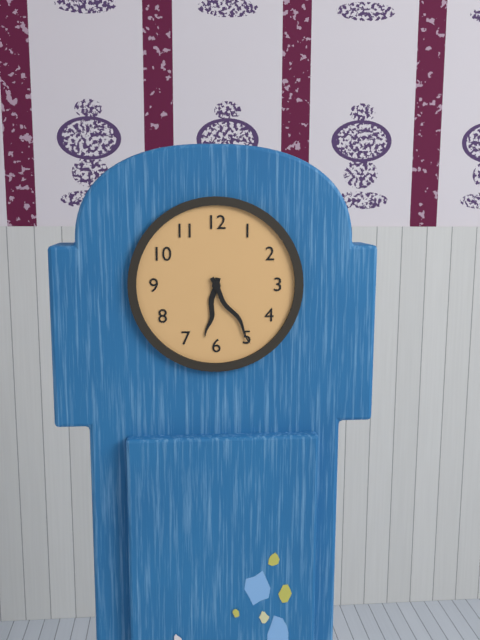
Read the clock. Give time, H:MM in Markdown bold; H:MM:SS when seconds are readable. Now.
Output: **6:25**
